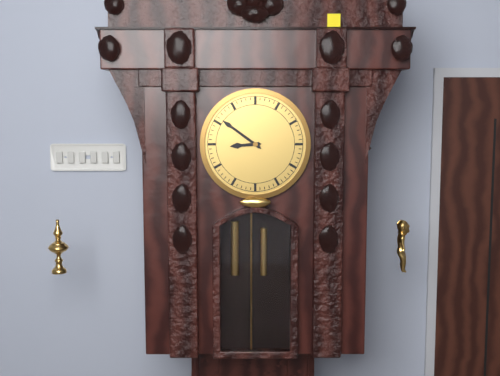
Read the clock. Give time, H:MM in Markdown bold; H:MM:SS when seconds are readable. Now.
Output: **8:51**
